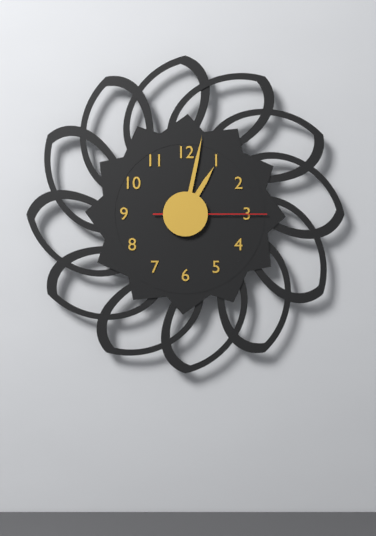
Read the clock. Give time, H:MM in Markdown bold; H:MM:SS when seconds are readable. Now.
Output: **1:02:15**
